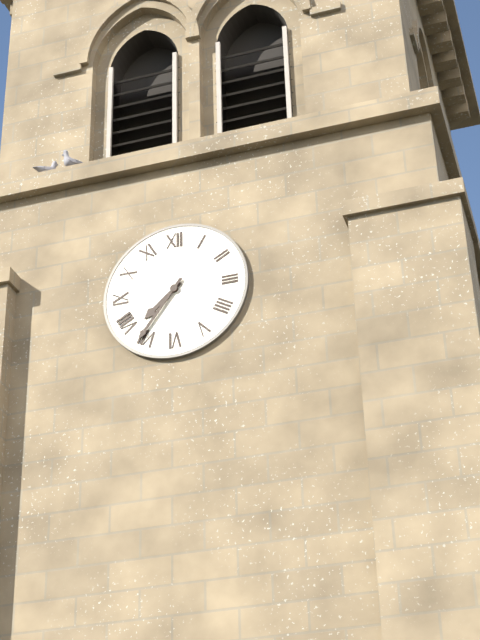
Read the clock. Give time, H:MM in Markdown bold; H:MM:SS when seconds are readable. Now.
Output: **7:36**
